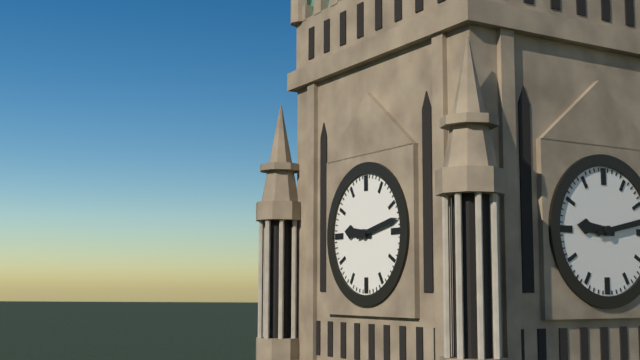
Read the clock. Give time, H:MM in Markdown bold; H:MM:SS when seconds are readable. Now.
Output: **9:13**
